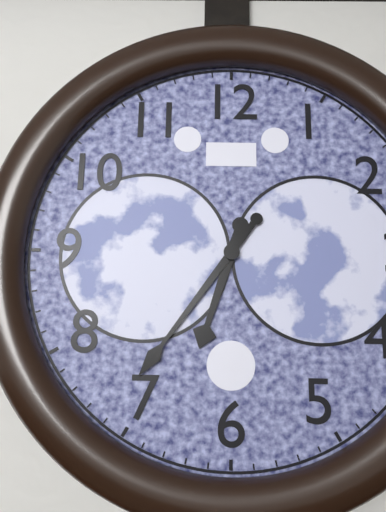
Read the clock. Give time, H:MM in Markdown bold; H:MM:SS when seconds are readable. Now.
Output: **6:36**
